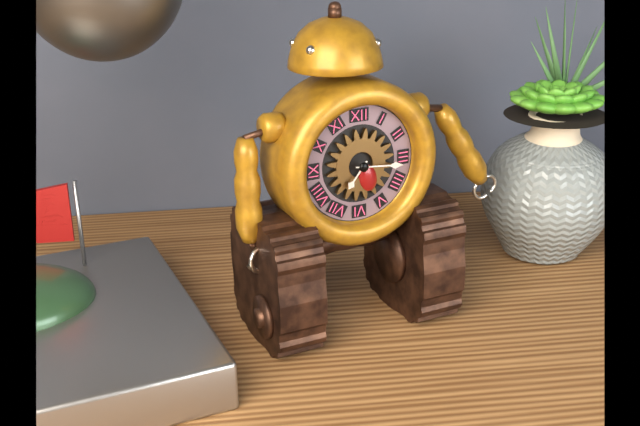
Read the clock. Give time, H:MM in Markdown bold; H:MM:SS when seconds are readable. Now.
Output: **7:16**
